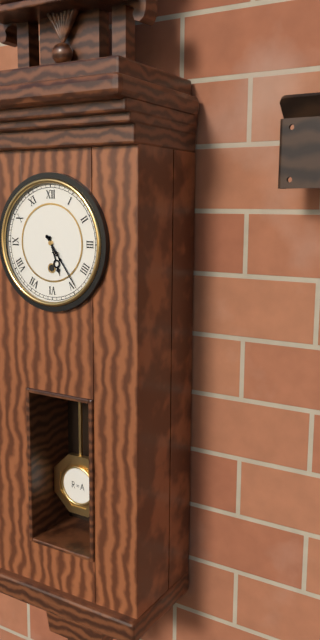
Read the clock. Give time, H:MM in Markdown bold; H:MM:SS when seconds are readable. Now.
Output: **5:24**
